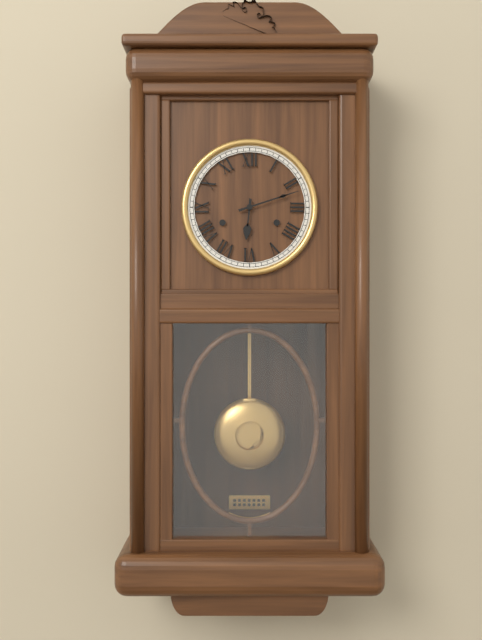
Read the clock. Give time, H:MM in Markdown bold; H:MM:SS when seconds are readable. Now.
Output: **6:12**
